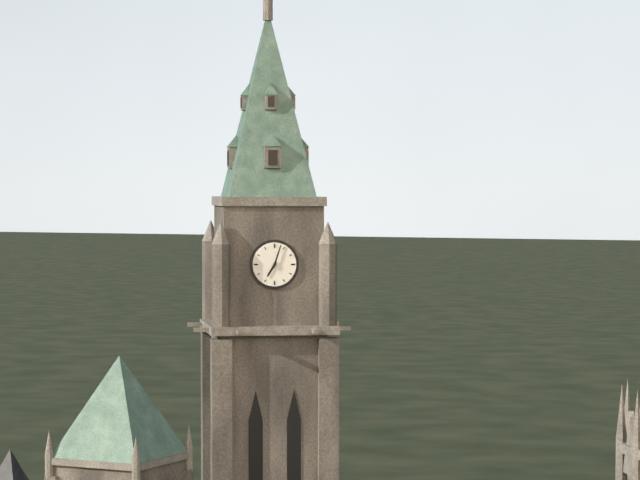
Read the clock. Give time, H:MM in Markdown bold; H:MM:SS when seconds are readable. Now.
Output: **7:03**
